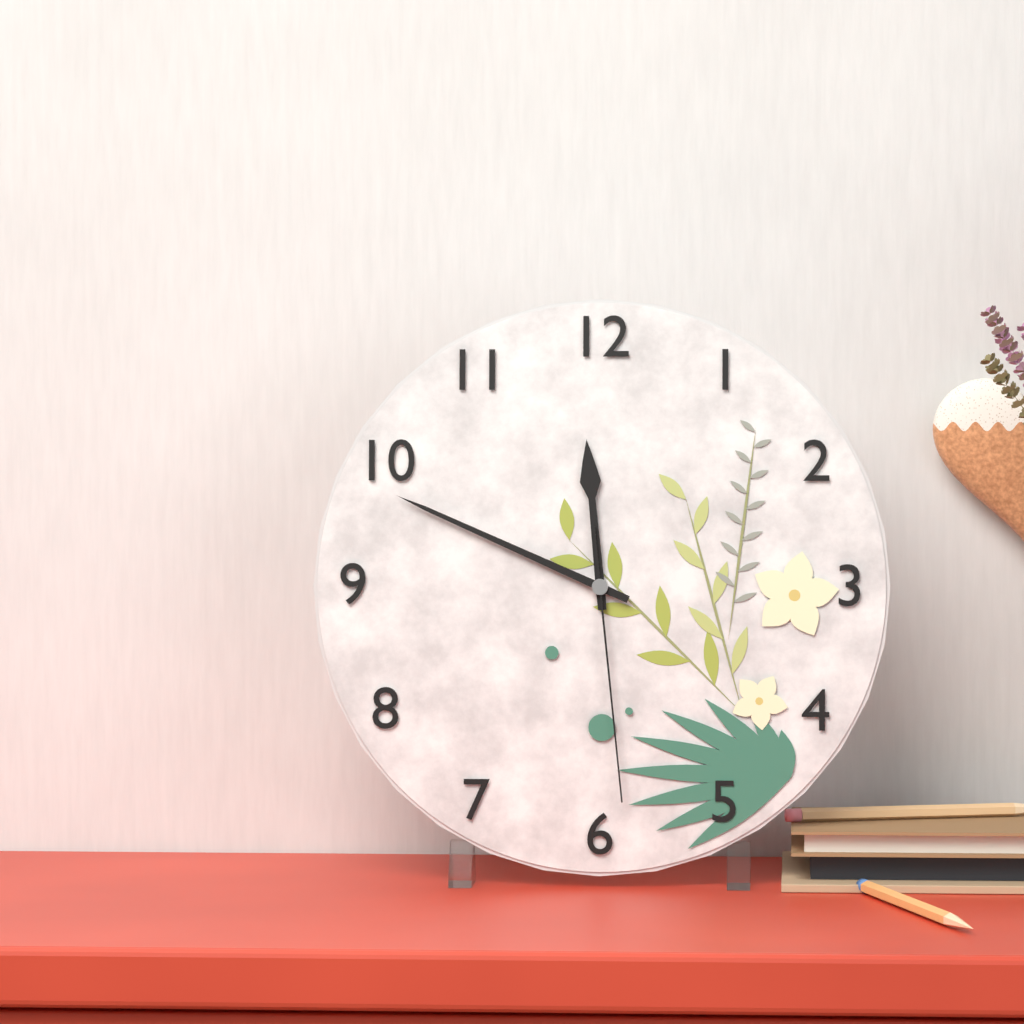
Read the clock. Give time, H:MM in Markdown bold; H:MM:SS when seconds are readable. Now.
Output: **11:49:29**
